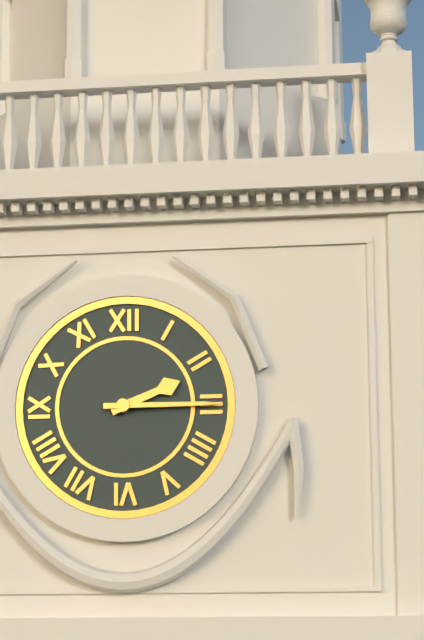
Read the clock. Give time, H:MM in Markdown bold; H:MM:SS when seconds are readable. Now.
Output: **2:15**
